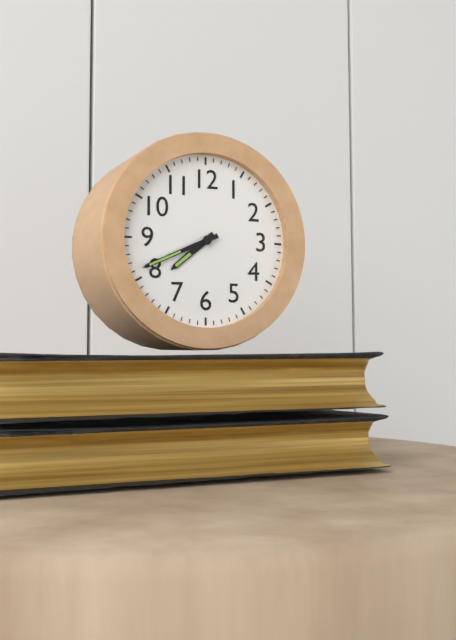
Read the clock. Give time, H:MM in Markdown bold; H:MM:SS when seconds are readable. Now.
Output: **7:41**
